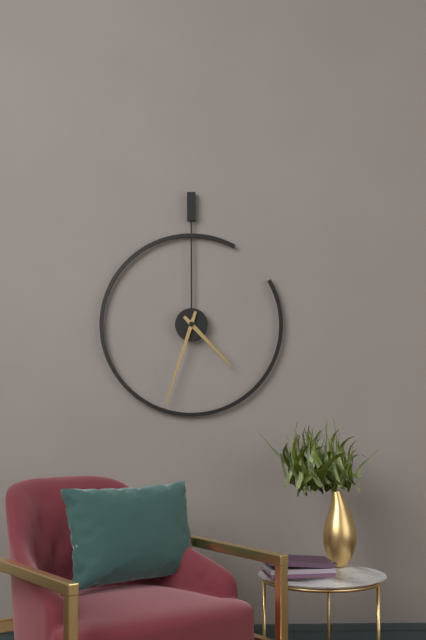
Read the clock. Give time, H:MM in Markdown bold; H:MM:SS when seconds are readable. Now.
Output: **4:33**
